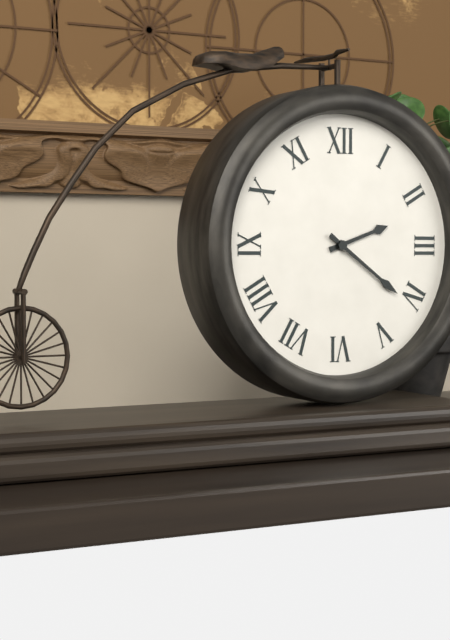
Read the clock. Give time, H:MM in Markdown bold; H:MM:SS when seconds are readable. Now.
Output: **2:21**
